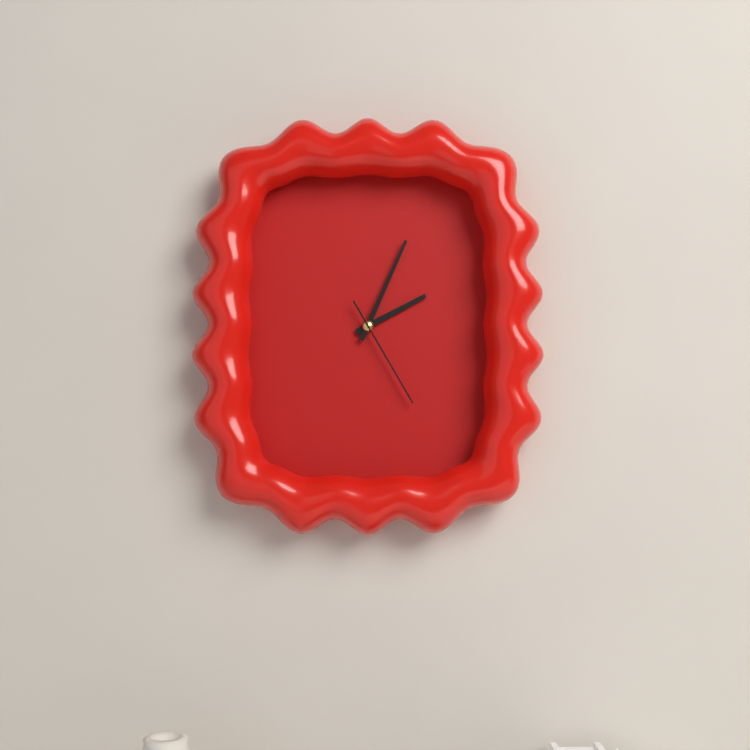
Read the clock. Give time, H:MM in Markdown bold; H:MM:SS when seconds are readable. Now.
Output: **2:04:25**
